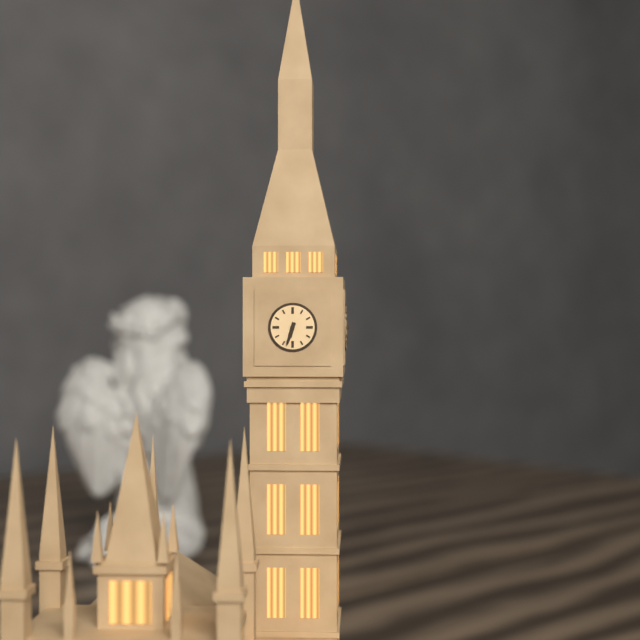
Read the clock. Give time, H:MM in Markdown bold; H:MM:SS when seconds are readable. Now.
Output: **6:33**
